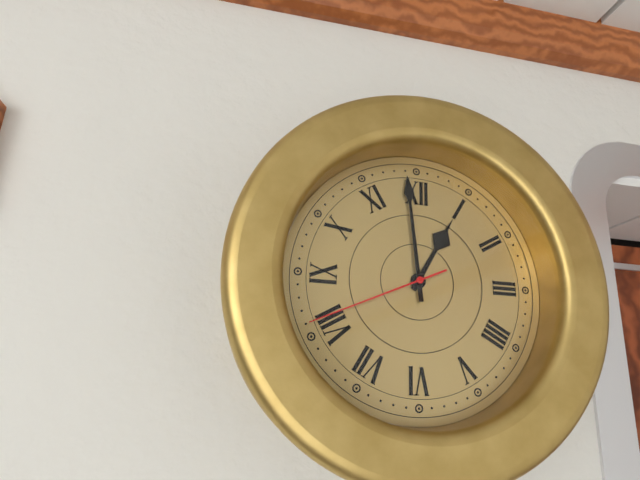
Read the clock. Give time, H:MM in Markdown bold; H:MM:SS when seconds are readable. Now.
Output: **12:59:41**
